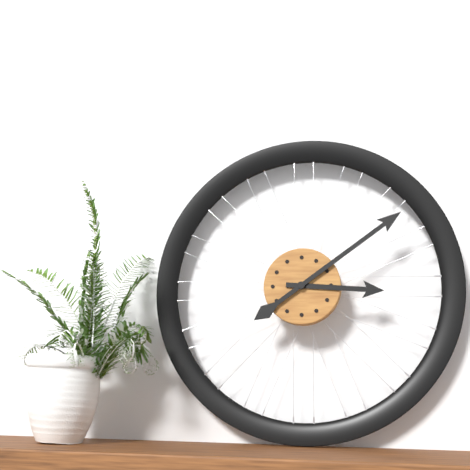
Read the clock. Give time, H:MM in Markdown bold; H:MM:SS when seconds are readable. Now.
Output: **3:09**
